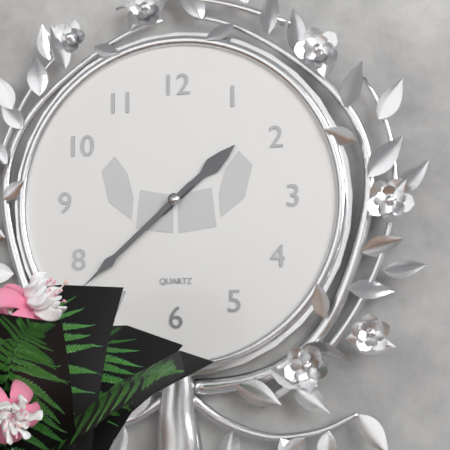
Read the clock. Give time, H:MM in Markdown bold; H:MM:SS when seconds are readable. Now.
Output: **1:38**
